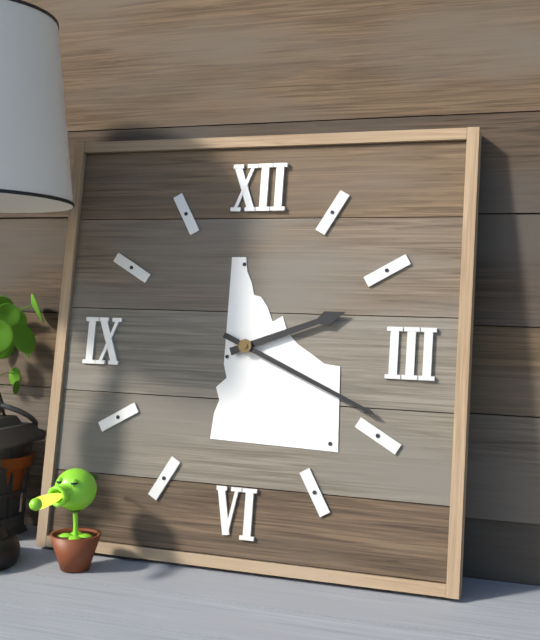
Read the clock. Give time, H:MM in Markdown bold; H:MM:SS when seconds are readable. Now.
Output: **2:19**
